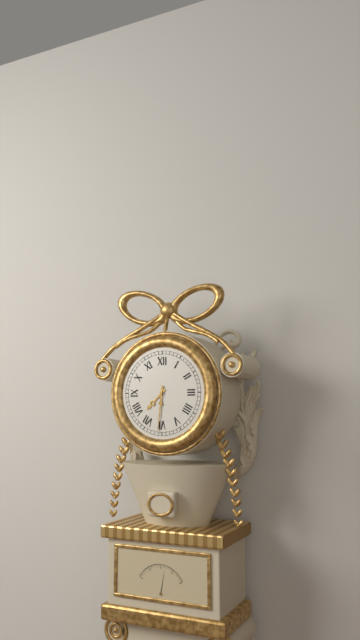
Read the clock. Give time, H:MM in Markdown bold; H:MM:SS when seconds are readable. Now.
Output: **7:31**
